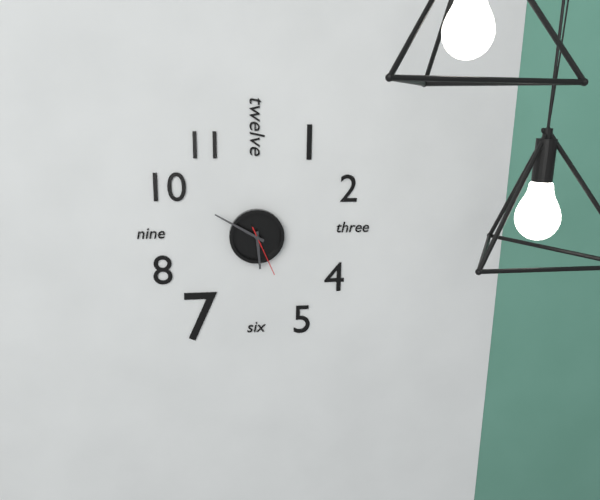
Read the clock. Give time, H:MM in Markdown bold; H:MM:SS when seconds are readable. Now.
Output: **5:50:26**
